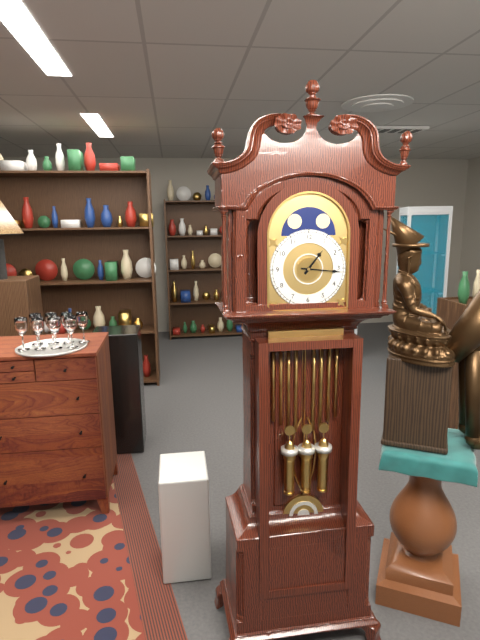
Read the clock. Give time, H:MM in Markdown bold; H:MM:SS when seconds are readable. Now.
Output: **1:16**
